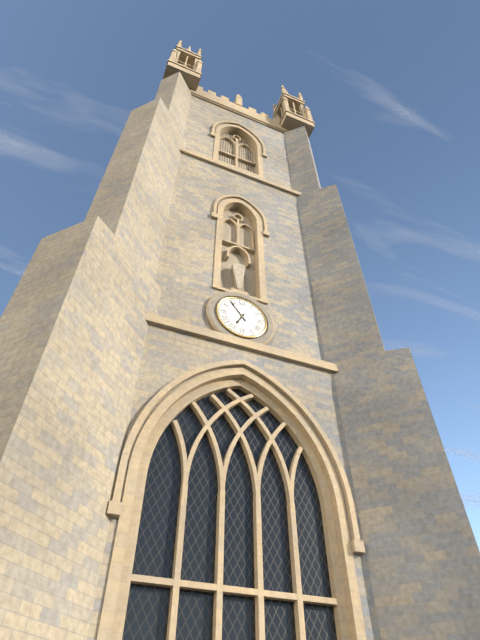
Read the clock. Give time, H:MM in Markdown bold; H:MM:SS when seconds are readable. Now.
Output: **6:54**
